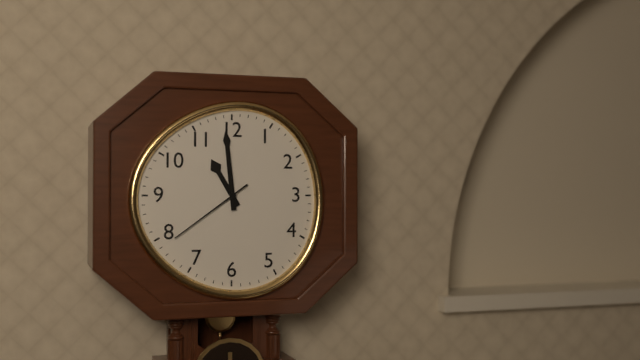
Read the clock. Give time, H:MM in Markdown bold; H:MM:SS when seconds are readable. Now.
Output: **10:59:39**
